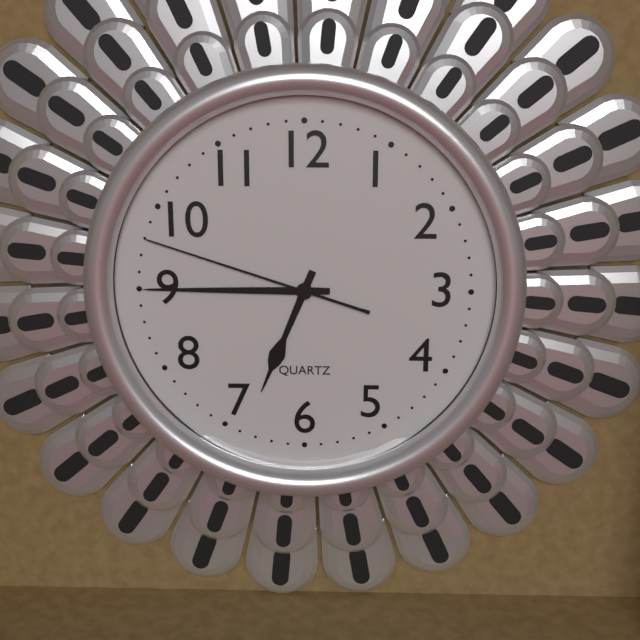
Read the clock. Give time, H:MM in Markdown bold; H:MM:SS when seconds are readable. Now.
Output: **6:45:48**
